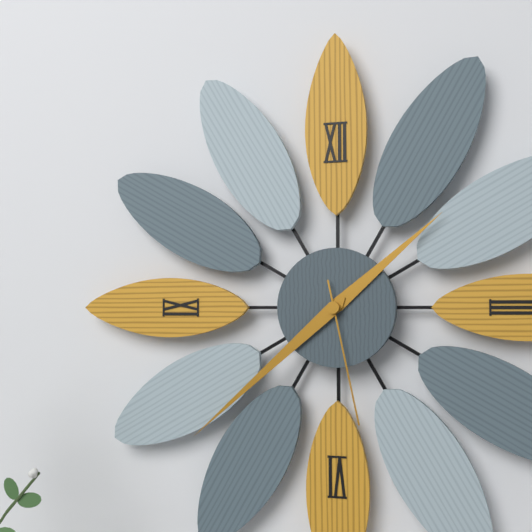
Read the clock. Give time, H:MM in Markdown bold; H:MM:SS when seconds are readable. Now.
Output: **1:38:28**
